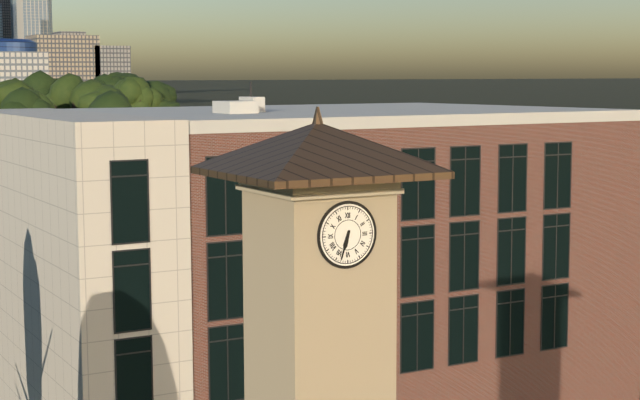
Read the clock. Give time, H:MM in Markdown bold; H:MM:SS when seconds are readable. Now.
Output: **6:33**
